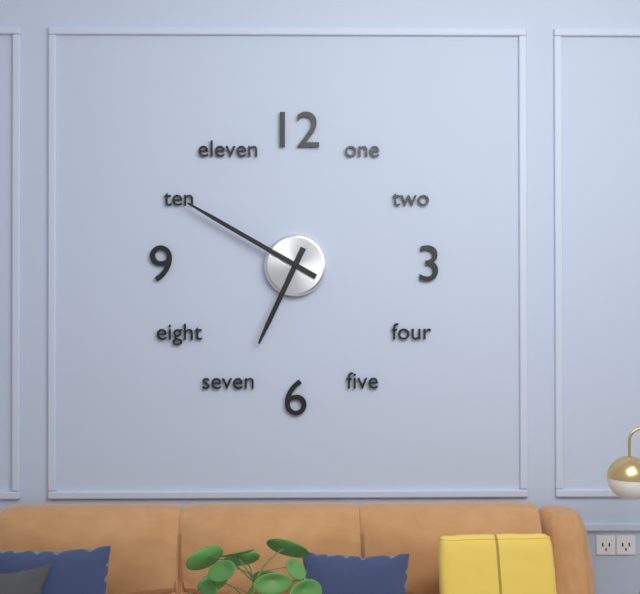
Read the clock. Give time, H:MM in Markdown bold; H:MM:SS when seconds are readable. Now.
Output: **6:50**
